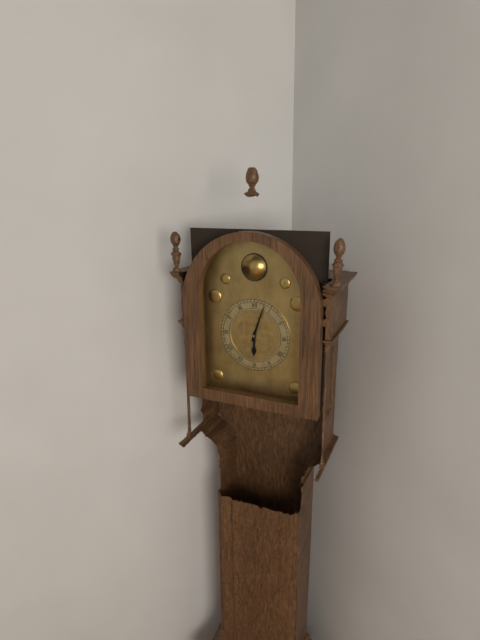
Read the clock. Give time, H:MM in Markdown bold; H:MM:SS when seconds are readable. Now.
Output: **6:03**
